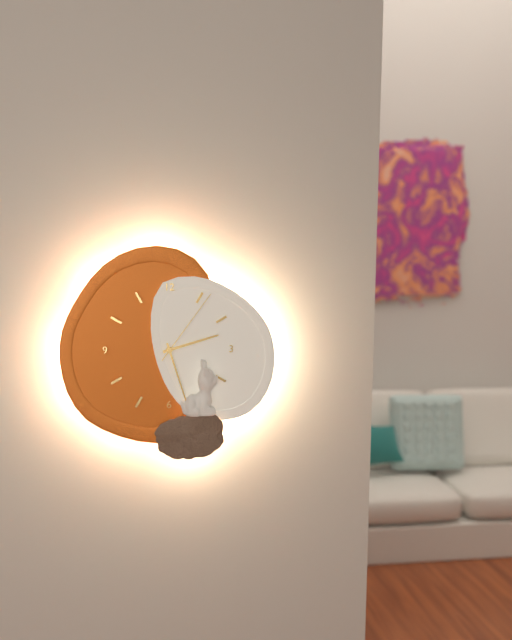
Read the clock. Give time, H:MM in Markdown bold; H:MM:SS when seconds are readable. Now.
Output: **2:27:06**
